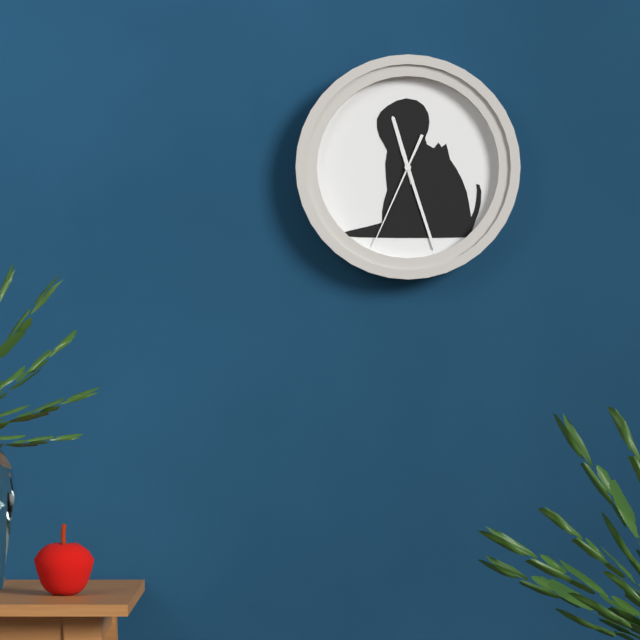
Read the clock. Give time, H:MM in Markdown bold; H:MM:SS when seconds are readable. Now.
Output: **11:27:34**
